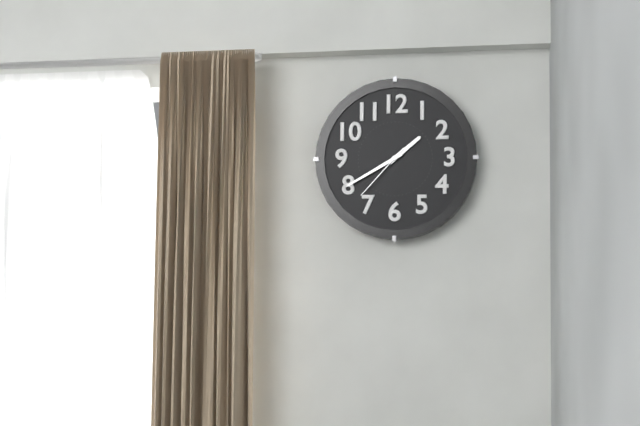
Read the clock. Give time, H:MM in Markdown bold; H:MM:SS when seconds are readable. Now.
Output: **1:40:37**
